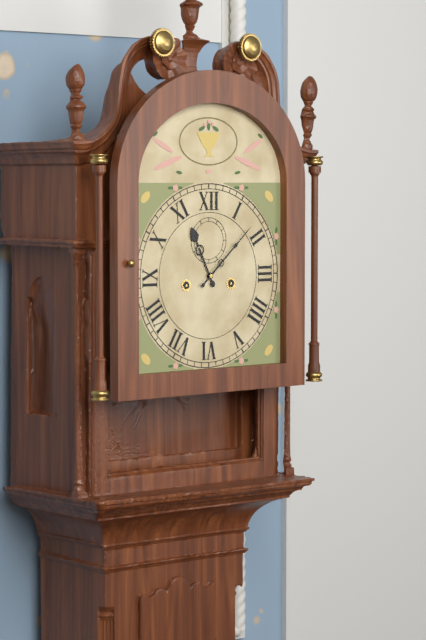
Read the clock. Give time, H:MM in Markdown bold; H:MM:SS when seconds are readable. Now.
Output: **11:08**
